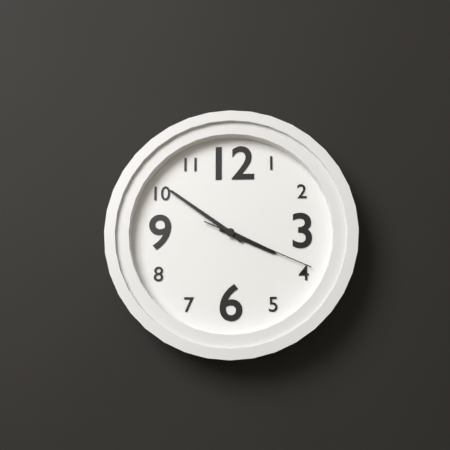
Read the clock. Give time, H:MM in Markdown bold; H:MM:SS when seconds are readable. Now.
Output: **3:51:19**
